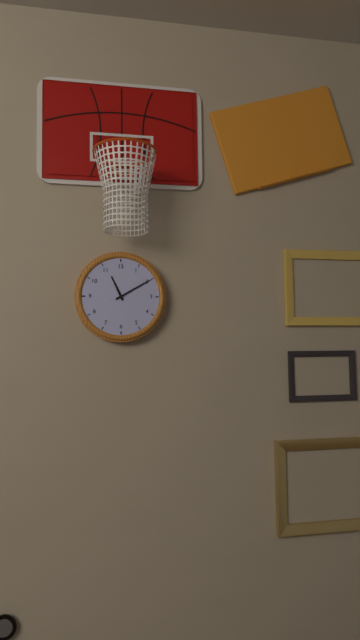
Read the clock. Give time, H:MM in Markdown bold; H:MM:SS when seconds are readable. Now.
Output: **11:10**
